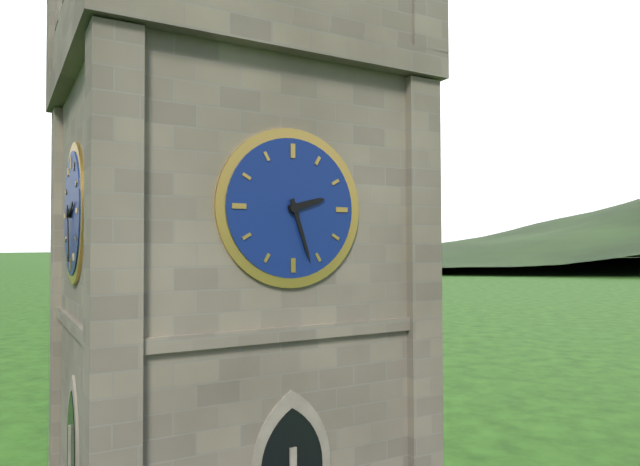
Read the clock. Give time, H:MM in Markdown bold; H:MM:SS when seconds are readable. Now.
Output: **2:27**
